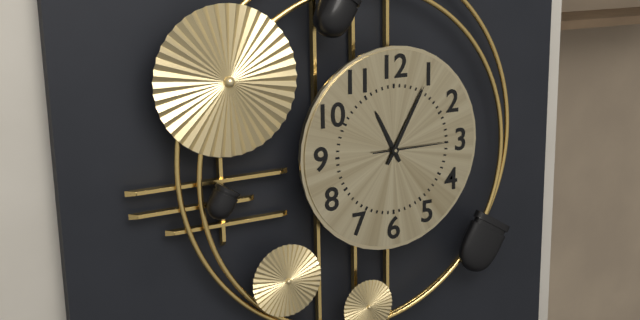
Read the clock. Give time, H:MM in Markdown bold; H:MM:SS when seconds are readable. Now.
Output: **11:05:15**
